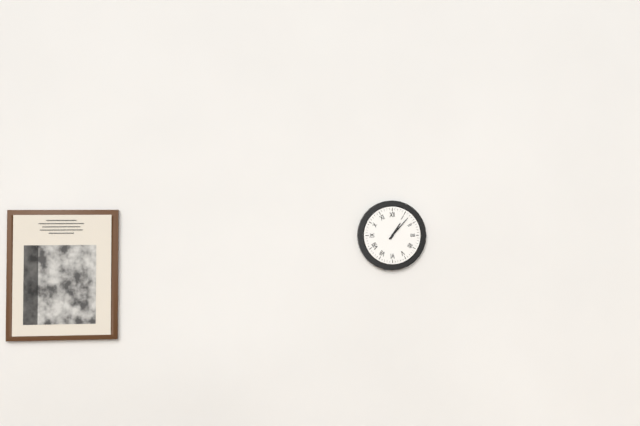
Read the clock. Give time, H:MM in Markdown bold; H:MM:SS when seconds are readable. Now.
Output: **1:07**
